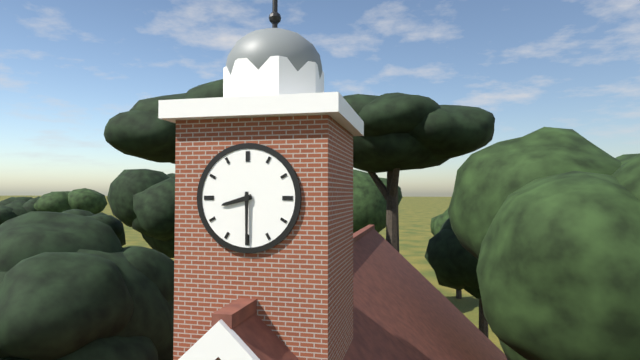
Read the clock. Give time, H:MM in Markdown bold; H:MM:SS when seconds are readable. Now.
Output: **8:30**
